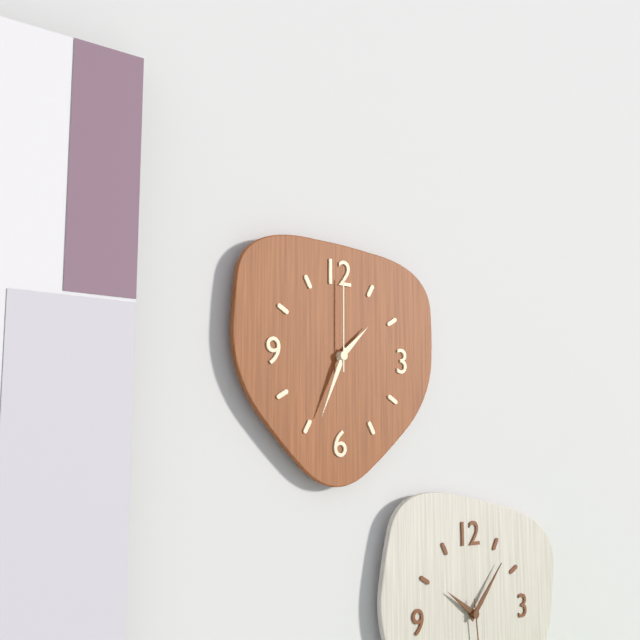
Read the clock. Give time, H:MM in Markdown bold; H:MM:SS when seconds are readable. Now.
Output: **1:34:00**
